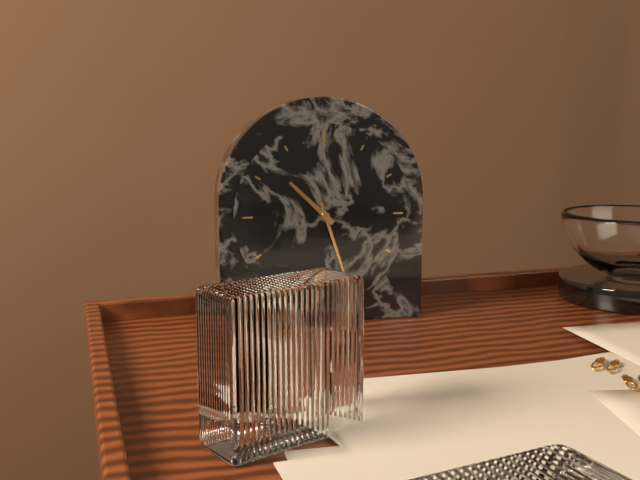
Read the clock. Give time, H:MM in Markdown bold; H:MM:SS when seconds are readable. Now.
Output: **10:27**
